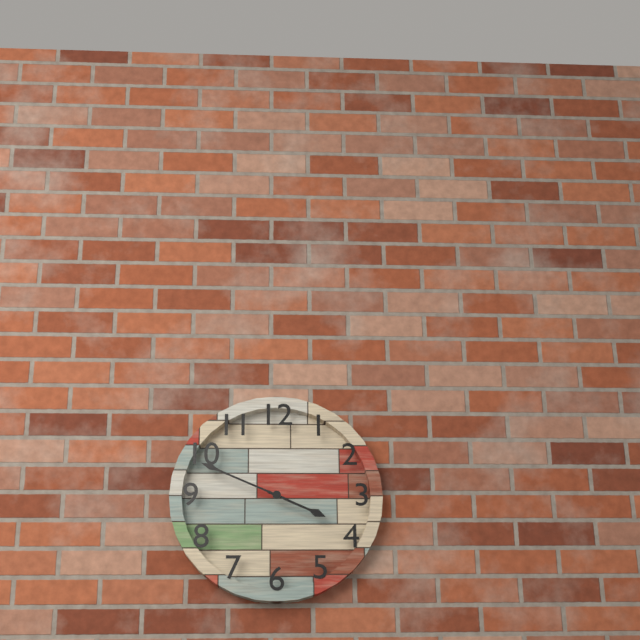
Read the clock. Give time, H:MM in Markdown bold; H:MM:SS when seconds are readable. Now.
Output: **3:49**
